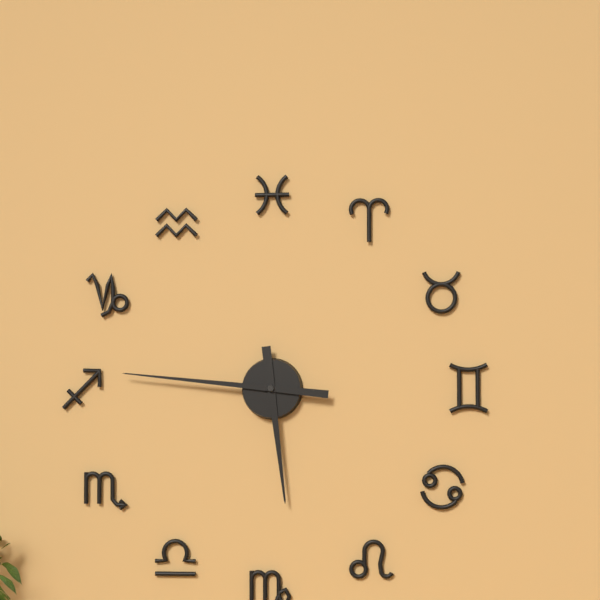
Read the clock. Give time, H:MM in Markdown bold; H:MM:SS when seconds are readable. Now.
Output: **5:46**
